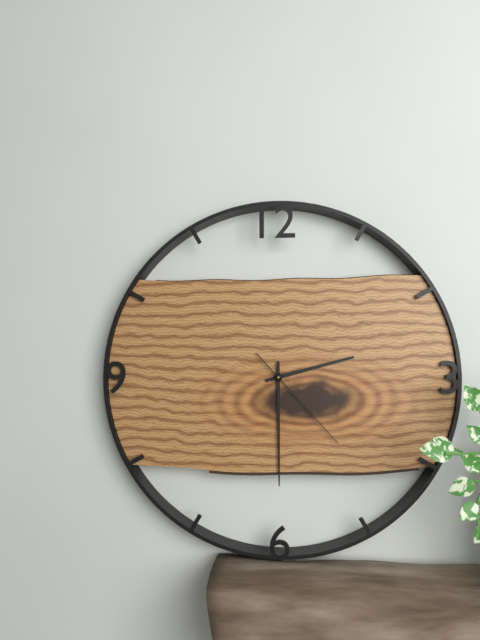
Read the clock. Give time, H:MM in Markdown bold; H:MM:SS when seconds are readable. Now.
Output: **2:30:23**
